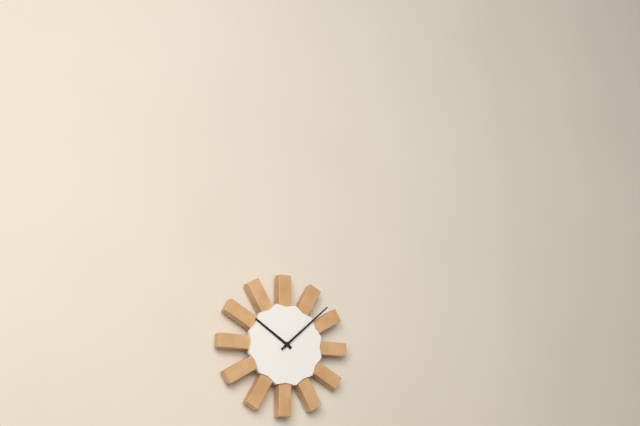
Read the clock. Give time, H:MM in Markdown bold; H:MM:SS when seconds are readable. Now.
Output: **10:08**
